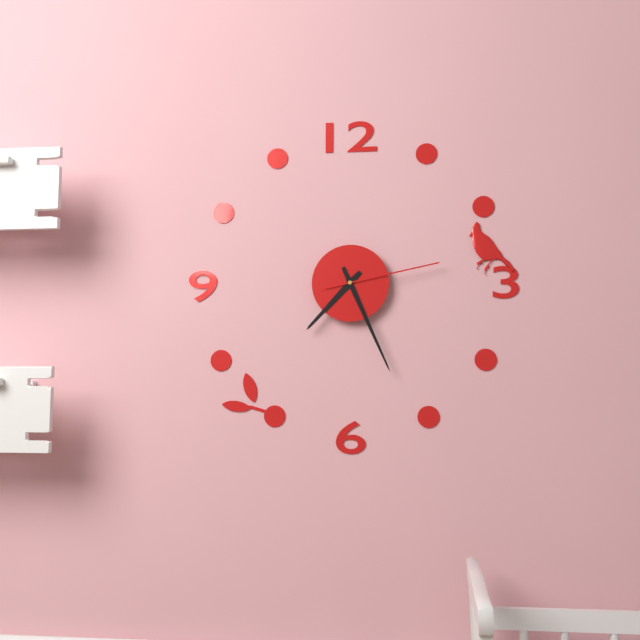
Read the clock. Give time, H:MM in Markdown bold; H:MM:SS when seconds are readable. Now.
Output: **7:26:13**
